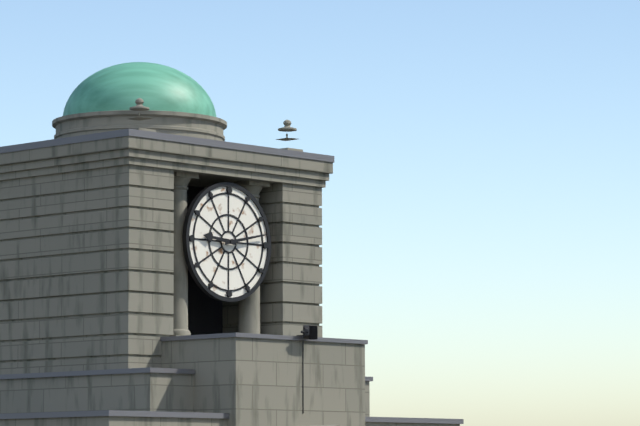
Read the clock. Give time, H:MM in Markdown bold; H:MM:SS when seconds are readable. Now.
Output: **9:13**
